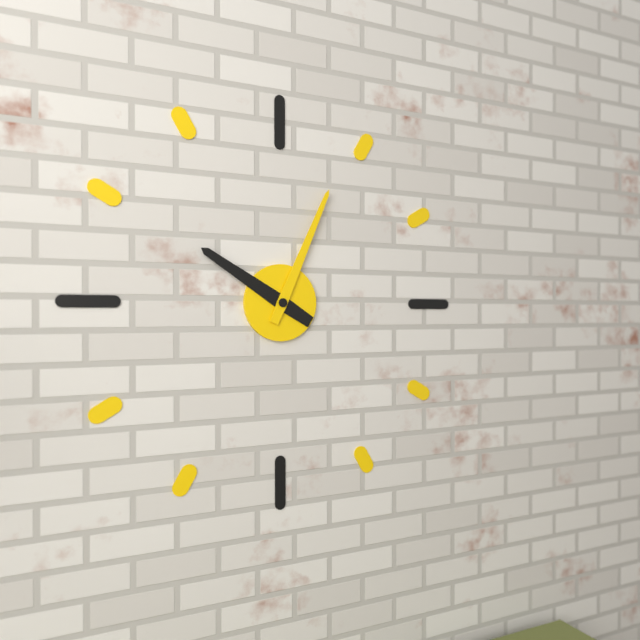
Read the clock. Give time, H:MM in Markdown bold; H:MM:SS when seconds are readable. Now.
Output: **10:04**
